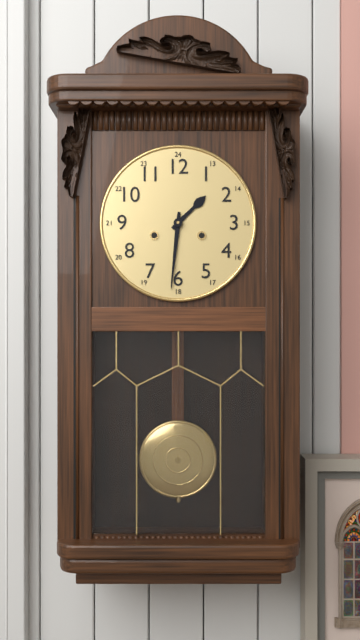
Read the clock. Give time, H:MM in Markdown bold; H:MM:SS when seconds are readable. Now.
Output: **1:31**
